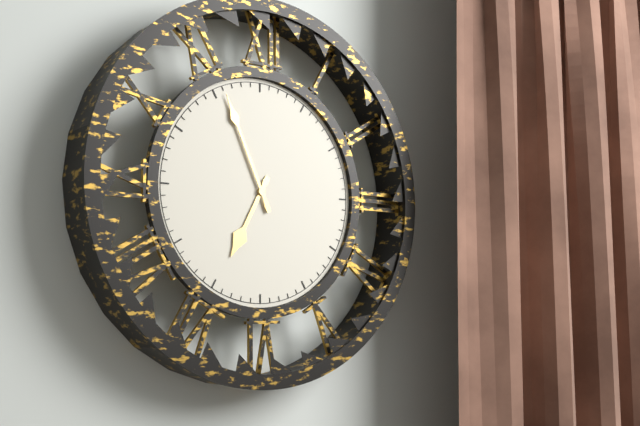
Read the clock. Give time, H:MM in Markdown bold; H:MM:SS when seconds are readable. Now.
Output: **6:56**
